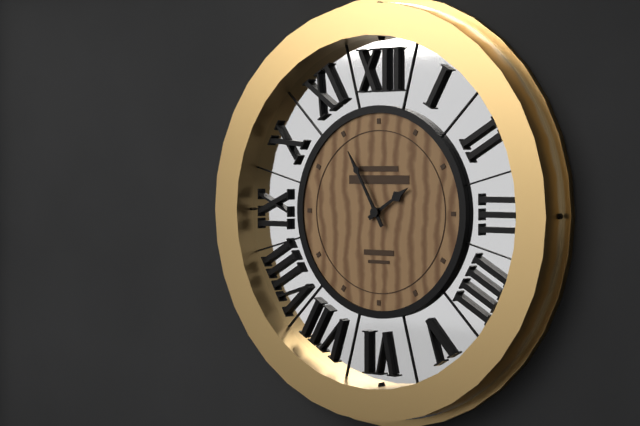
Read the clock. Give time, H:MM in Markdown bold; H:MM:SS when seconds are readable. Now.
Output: **1:55**
